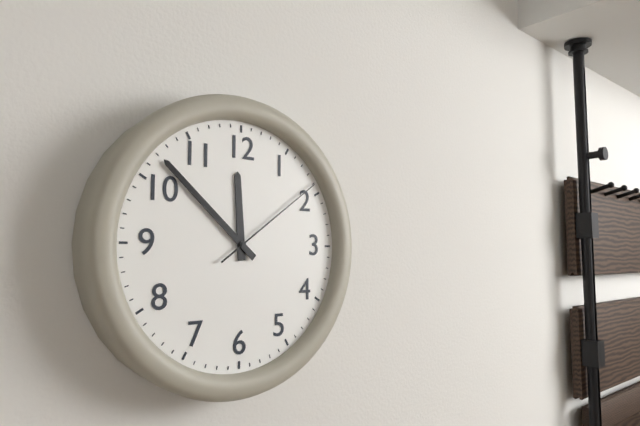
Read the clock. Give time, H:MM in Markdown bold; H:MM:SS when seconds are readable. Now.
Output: **11:52:09**
